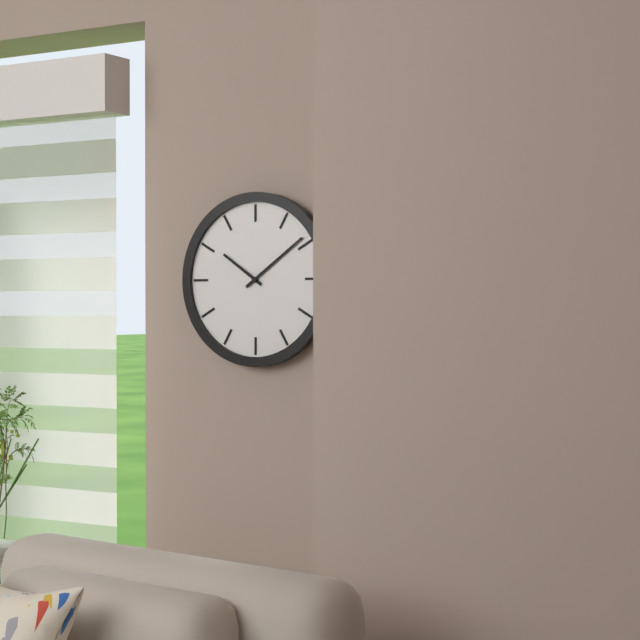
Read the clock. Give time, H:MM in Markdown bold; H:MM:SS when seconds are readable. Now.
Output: **10:09**
